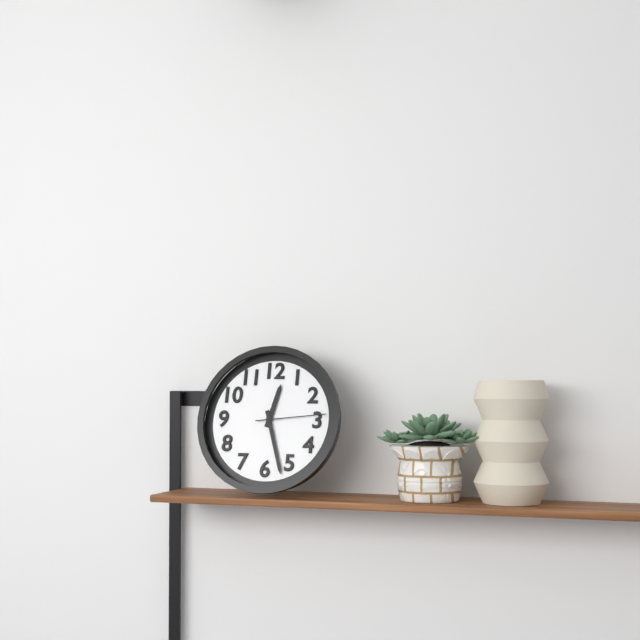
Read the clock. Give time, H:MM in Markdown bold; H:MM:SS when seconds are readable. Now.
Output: **12:27:14**
